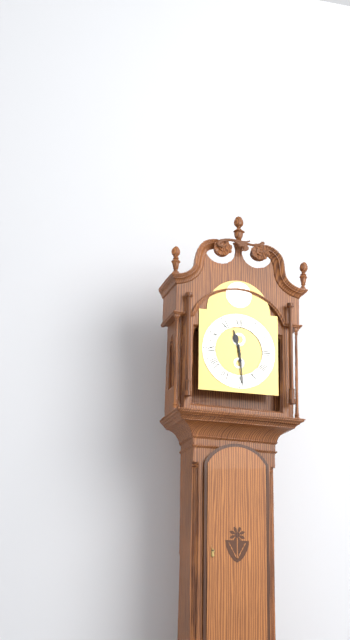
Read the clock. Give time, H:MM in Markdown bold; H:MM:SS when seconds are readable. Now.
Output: **11:29**
